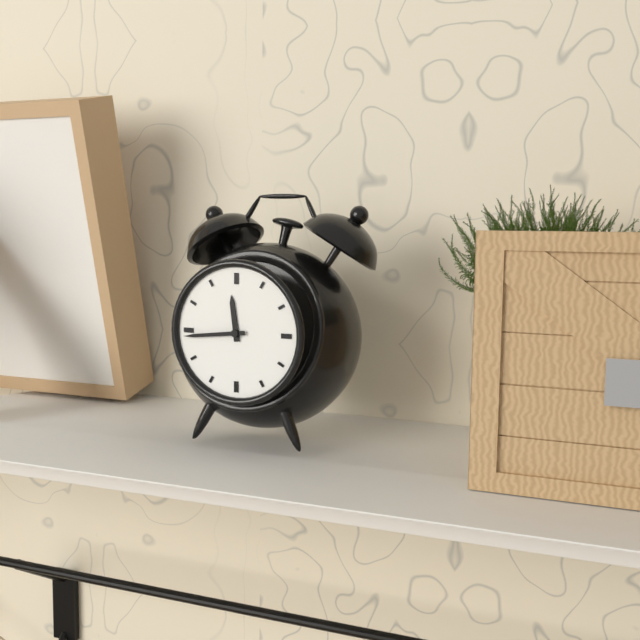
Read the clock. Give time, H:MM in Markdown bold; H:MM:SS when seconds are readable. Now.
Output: **11:44**
